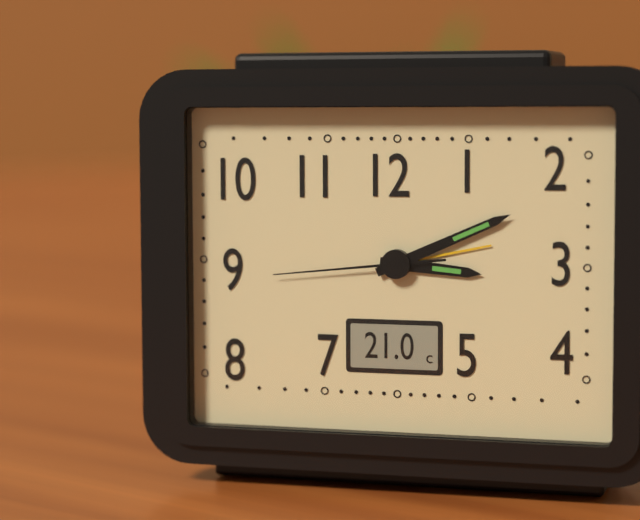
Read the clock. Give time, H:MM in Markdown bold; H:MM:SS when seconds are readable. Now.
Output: **3:11:44**
